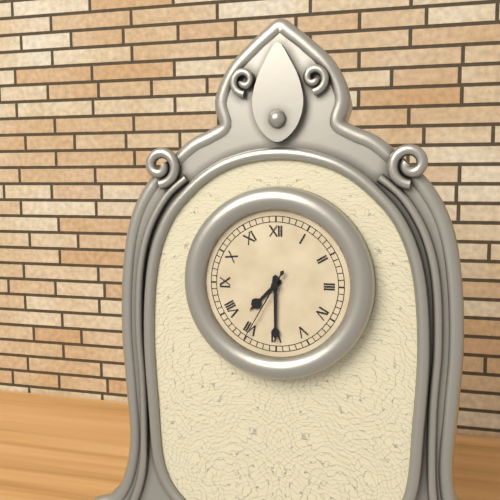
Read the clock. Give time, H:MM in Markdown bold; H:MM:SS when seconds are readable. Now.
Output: **7:30:35**
